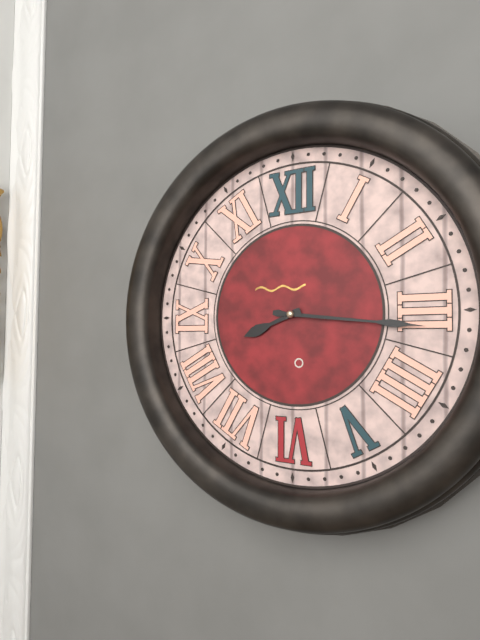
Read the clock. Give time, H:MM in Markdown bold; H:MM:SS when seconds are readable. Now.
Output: **8:16**
